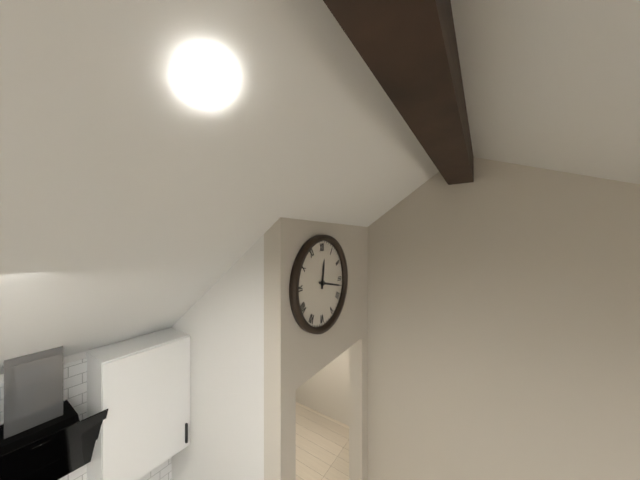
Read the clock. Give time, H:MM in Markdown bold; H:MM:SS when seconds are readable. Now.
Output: **12:17**
